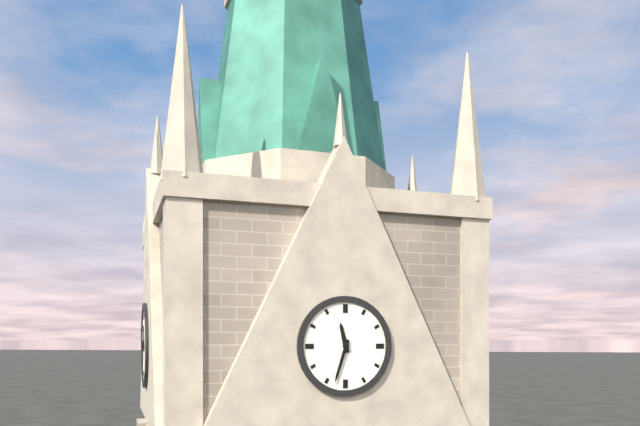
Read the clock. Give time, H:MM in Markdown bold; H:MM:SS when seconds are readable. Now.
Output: **11:33**
